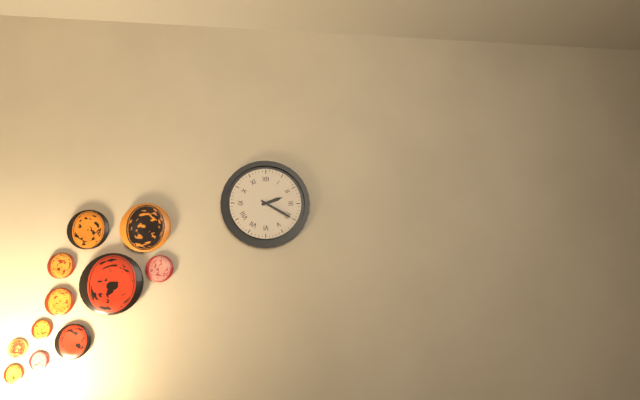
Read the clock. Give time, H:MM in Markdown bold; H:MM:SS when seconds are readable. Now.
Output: **2:20**
